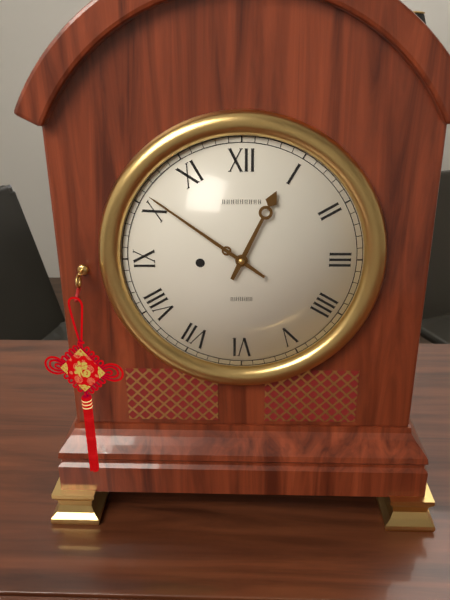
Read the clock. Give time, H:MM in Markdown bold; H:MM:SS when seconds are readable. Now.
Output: **12:51**
